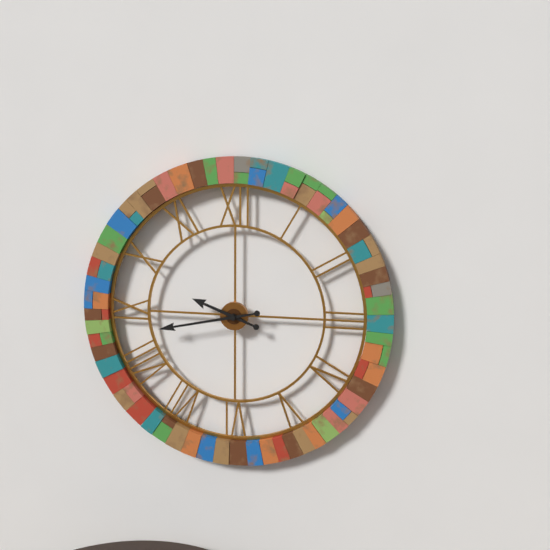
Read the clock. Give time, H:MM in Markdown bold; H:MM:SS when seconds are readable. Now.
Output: **9:43**
